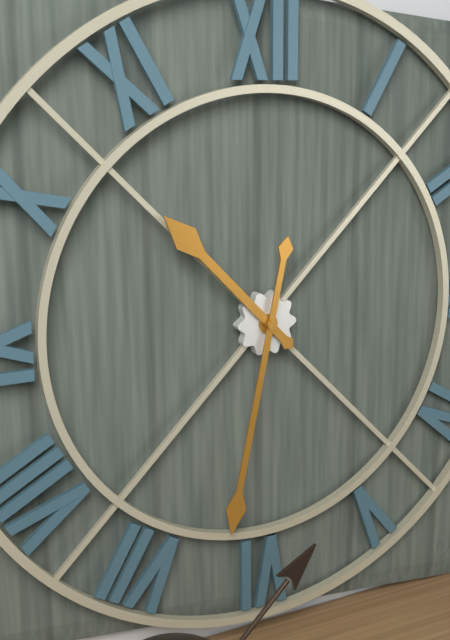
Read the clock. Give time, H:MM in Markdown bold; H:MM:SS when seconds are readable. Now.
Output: **10:32**
